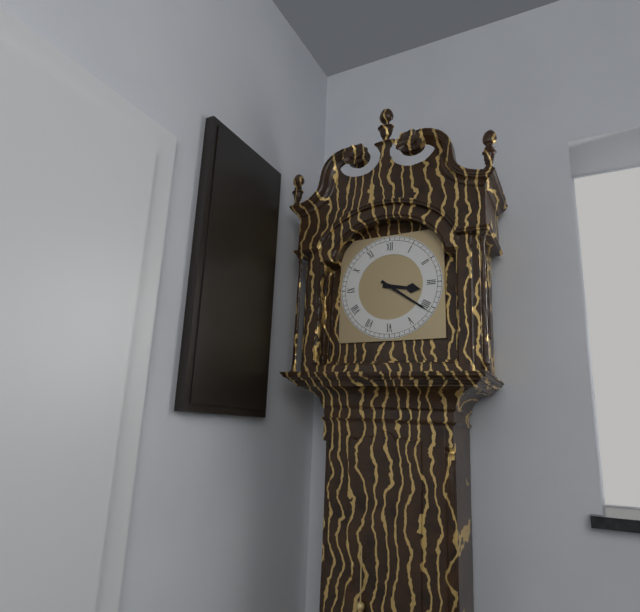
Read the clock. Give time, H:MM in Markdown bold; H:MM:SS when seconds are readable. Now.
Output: **3:21**
